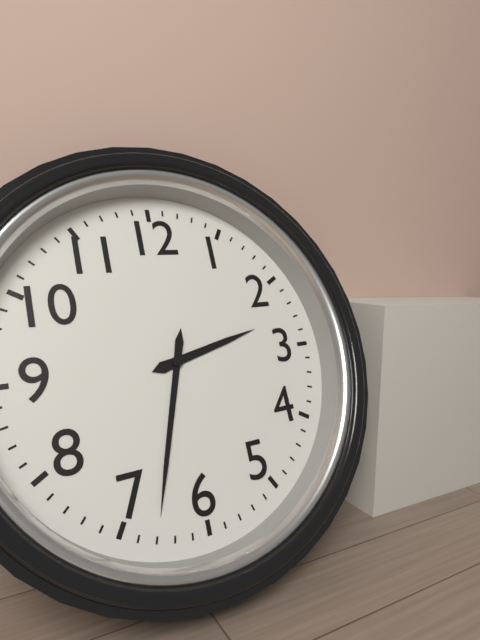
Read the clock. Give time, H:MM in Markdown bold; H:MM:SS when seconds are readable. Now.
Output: **2:33**
